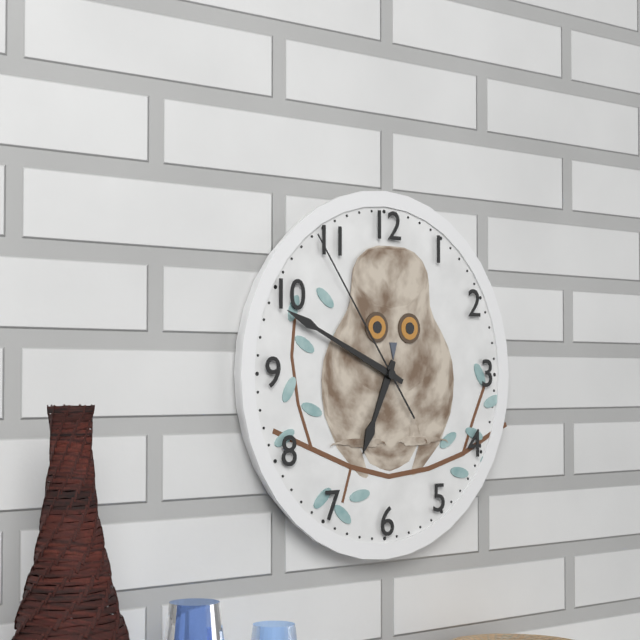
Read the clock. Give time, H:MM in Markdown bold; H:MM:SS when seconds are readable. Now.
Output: **6:49:54**
